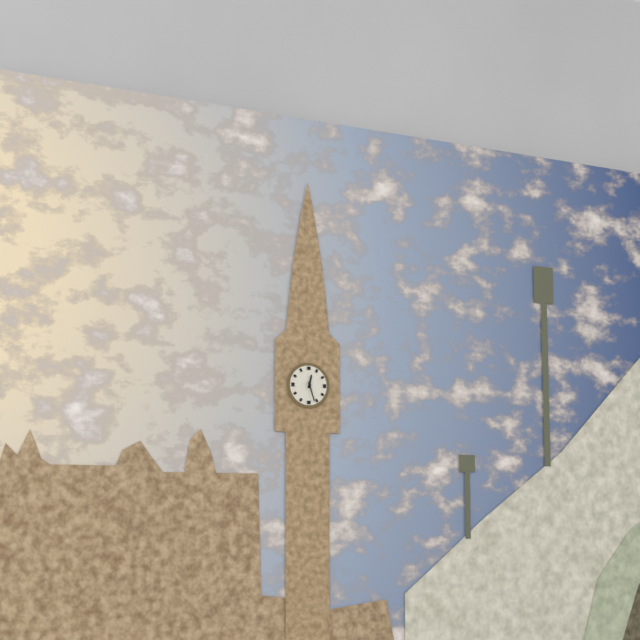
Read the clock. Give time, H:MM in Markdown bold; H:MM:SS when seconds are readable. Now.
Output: **12:27**
